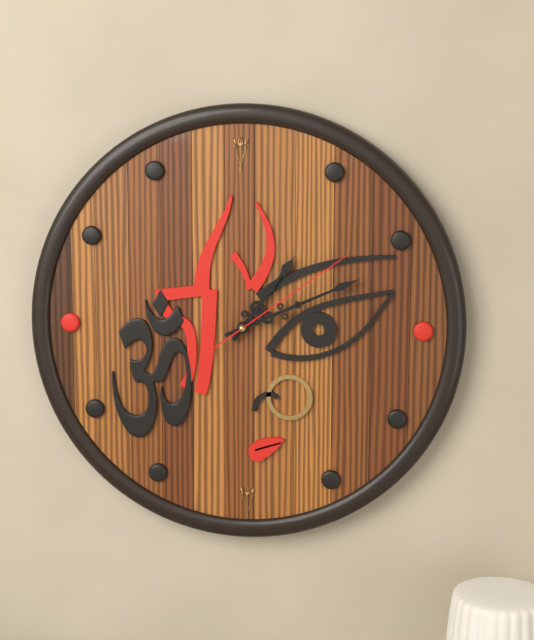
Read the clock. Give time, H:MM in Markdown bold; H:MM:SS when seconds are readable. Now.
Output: **1:11:09**
